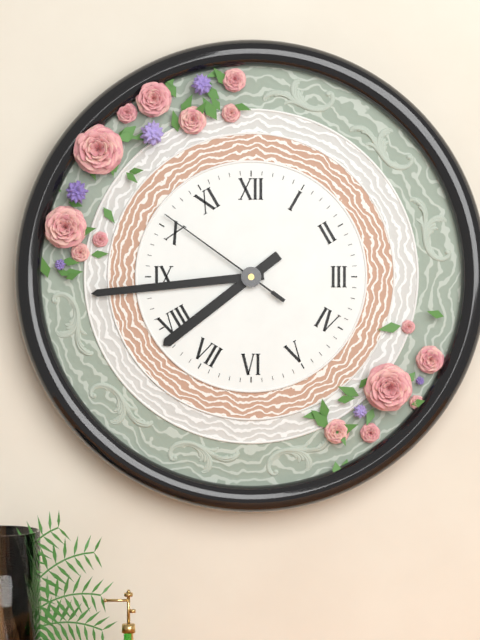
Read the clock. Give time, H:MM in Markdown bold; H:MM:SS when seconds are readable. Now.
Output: **7:44:51**
